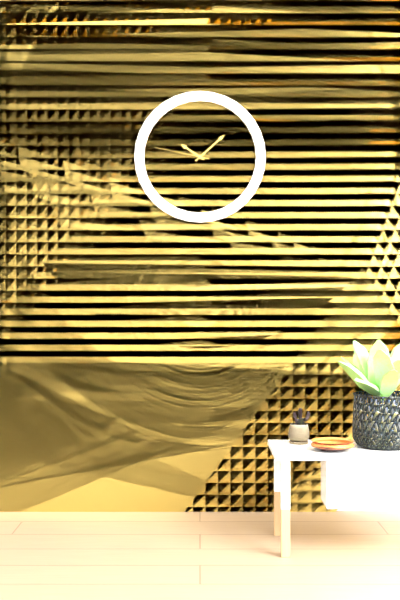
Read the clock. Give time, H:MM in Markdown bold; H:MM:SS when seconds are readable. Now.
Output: **10:08:47**
